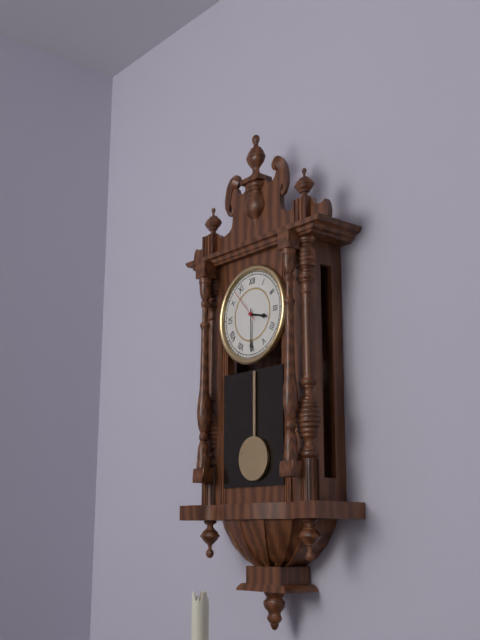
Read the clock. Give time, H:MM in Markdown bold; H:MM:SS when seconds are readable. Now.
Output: **3:30**
